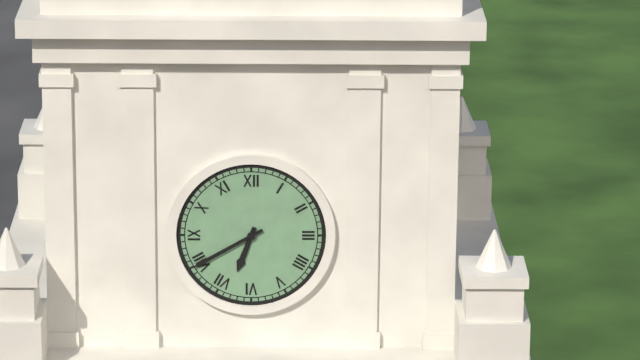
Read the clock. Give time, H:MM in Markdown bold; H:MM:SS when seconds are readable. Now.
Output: **6:40**
